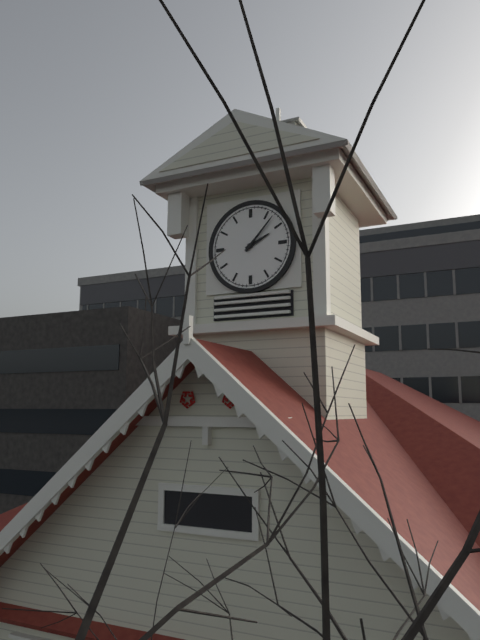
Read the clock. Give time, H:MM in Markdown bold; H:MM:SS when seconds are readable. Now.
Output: **2:07**
